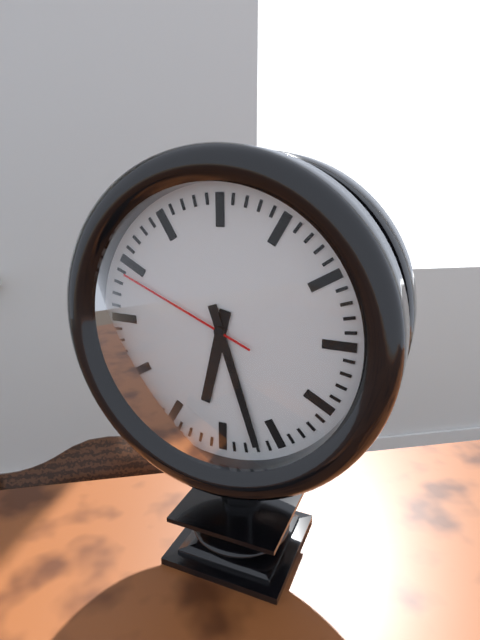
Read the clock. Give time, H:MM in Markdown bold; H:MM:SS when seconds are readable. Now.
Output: **6:27:49**
